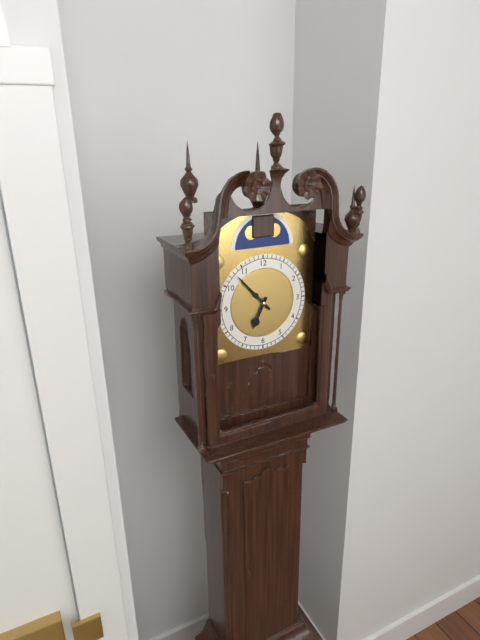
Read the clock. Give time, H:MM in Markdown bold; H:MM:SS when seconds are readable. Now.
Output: **6:53**
